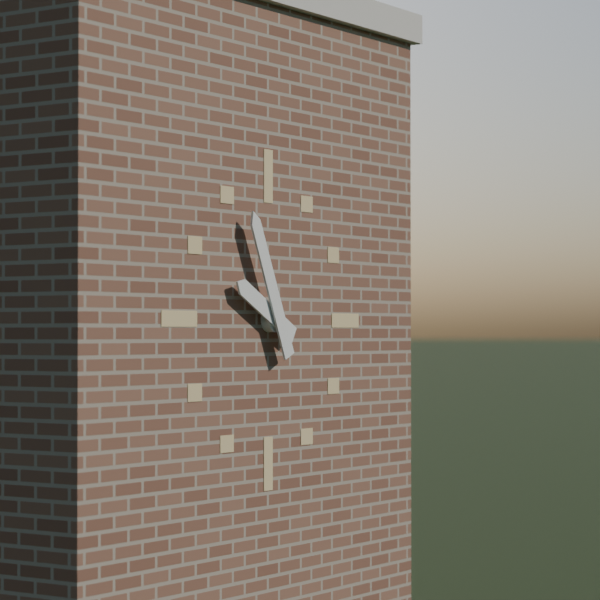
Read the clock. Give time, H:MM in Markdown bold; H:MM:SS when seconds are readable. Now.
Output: **9:56**
